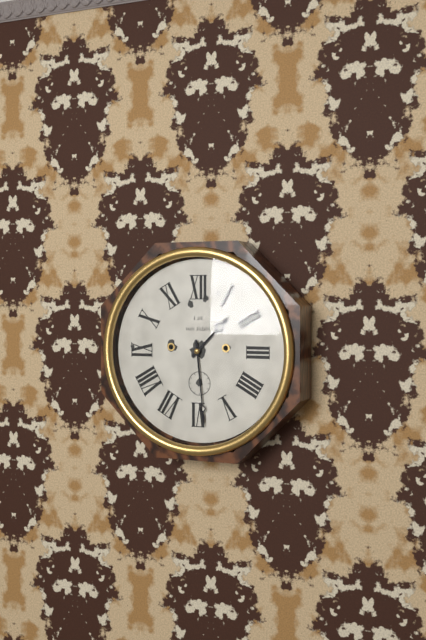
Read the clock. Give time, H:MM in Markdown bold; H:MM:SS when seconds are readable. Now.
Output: **1:29**
